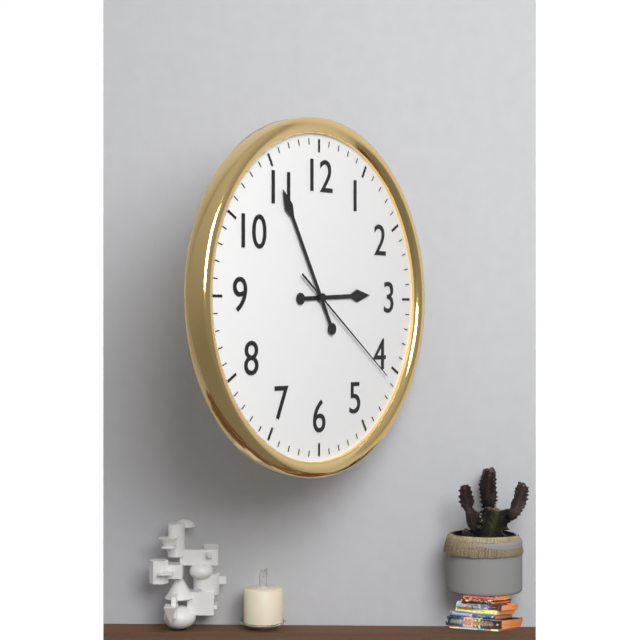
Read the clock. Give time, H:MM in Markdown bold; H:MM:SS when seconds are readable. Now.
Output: **2:55:21**
